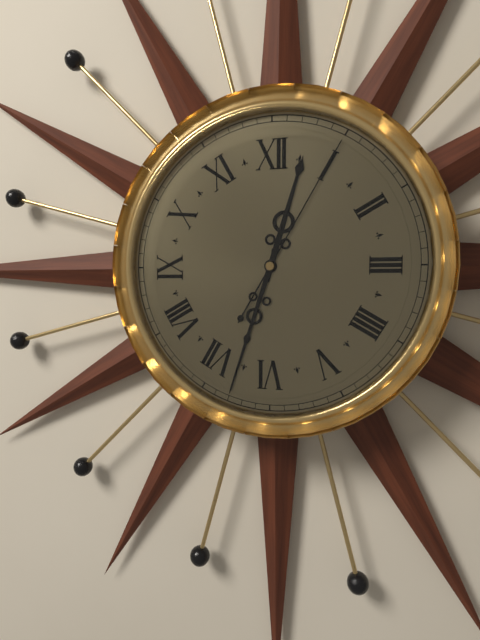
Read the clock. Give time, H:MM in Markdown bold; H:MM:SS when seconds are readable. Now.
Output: **12:33:05**
